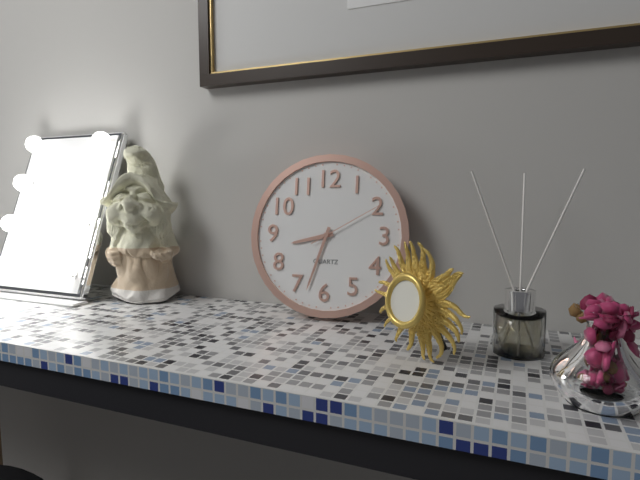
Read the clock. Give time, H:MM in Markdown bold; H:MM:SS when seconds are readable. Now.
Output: **8:33:10**
